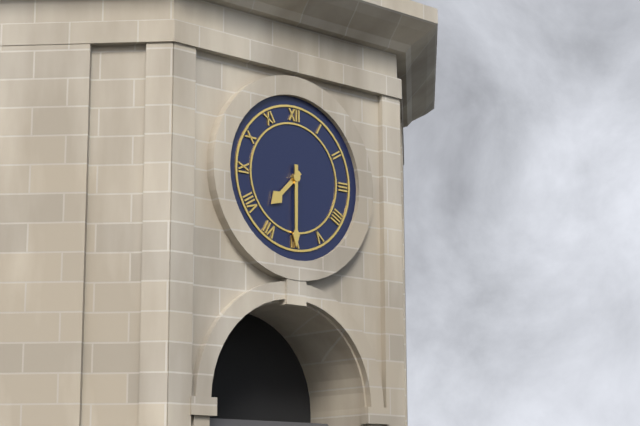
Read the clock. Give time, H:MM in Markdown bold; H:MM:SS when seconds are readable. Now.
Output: **7:30**
